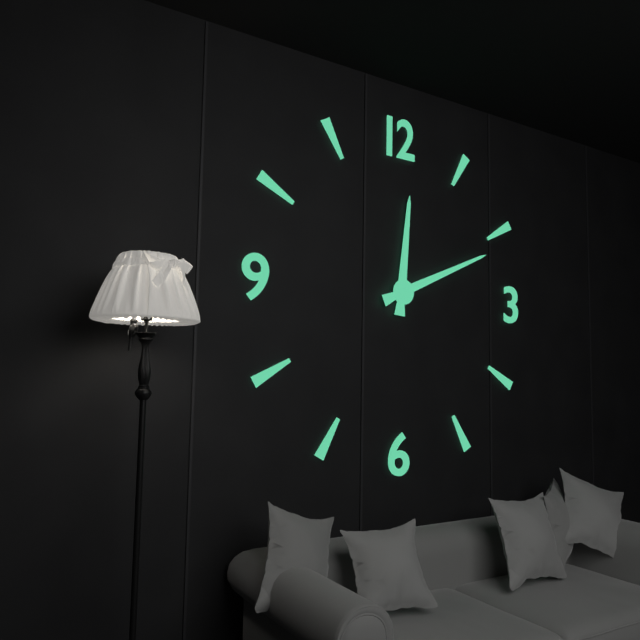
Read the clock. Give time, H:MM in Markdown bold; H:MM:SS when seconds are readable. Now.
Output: **12:11**
